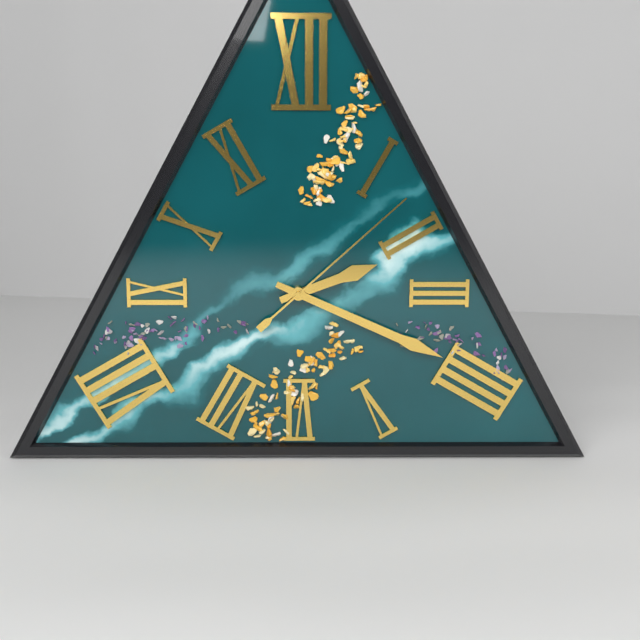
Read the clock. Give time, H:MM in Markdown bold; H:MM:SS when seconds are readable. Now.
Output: **2:19:08**
